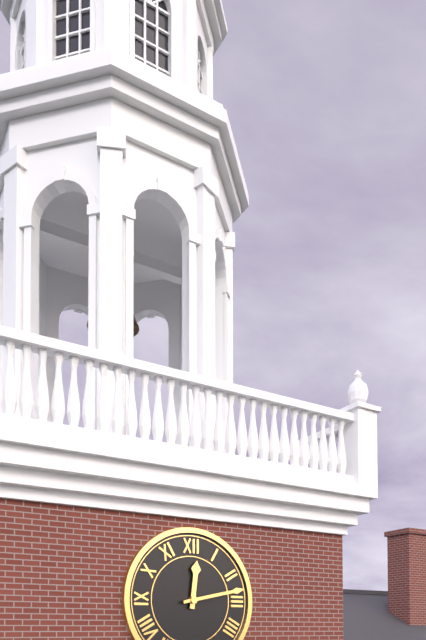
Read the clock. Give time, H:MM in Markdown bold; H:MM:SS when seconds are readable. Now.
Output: **12:13**
